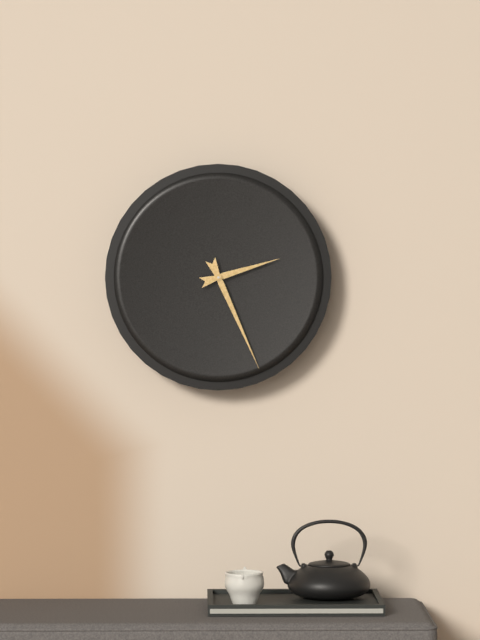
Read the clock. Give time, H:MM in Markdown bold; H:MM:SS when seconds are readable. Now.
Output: **2:26**
